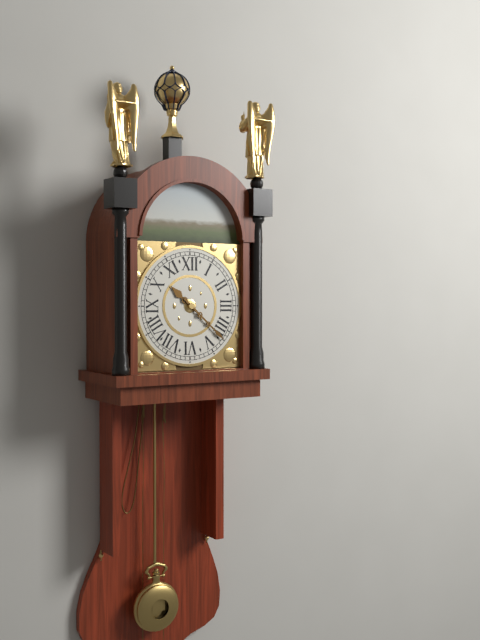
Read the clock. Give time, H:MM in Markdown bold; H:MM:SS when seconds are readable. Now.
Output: **10:22**
